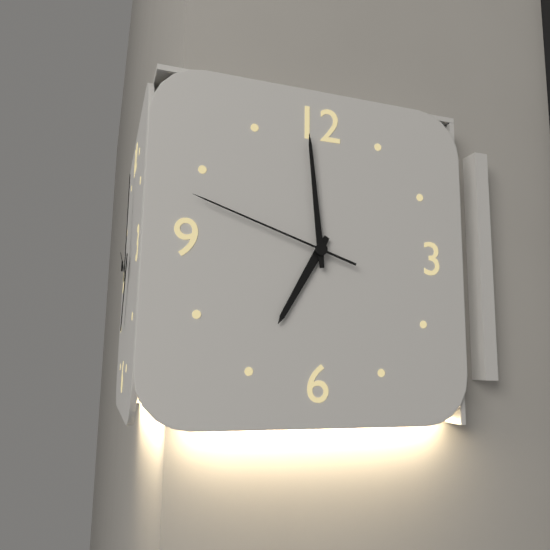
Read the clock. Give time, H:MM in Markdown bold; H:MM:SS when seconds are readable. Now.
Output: **6:59:48**
